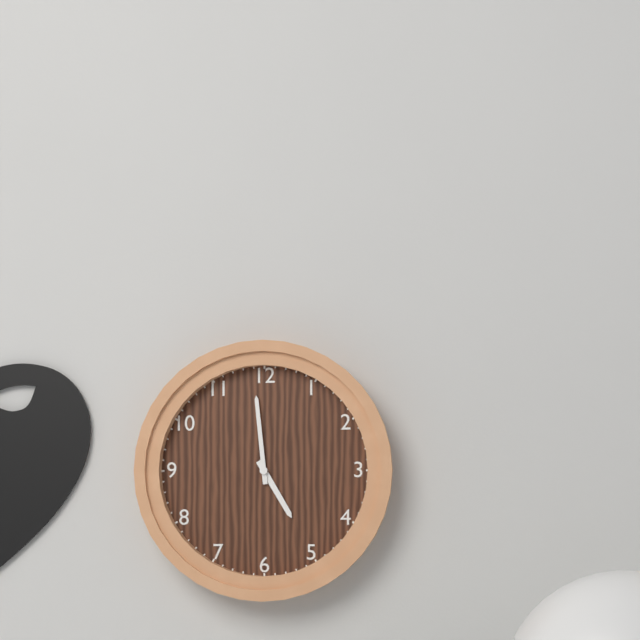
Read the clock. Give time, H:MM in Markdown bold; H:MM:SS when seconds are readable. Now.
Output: **4:59**
